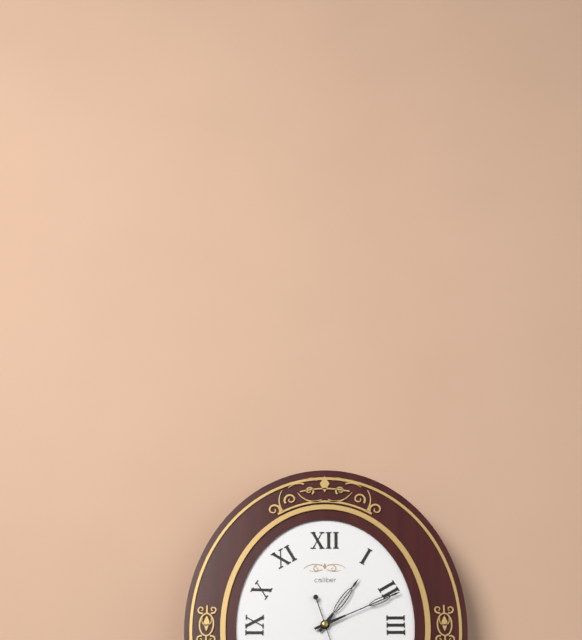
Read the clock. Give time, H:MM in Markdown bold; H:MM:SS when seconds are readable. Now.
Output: **1:11**
